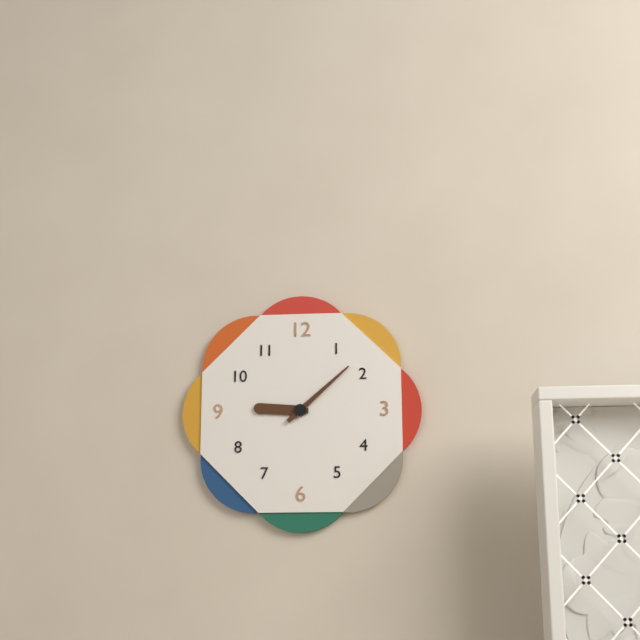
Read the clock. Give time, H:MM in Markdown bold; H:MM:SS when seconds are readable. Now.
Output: **9:08**
